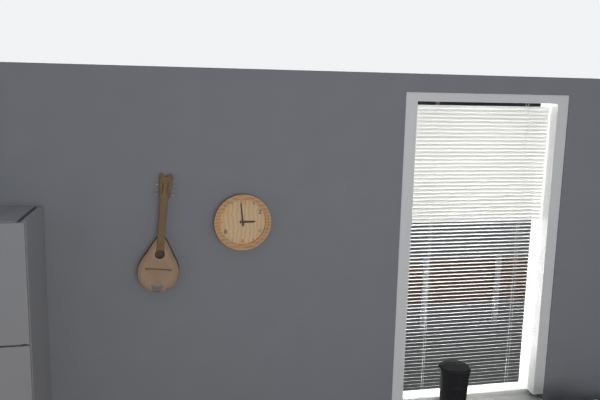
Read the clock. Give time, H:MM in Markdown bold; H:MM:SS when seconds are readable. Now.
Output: **2:59**
